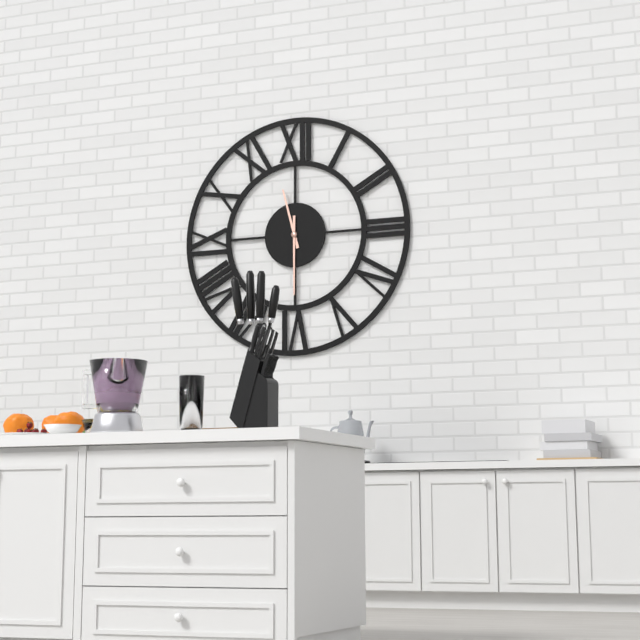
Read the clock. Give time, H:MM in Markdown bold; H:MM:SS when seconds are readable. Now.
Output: **11:30**
